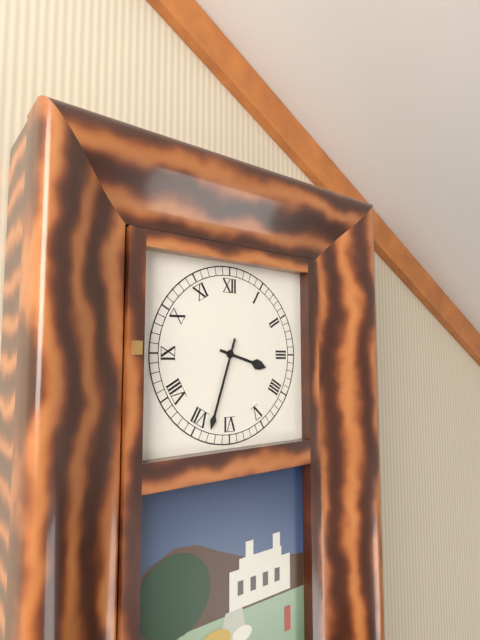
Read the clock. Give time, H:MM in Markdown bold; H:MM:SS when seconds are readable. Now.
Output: **3:33**
